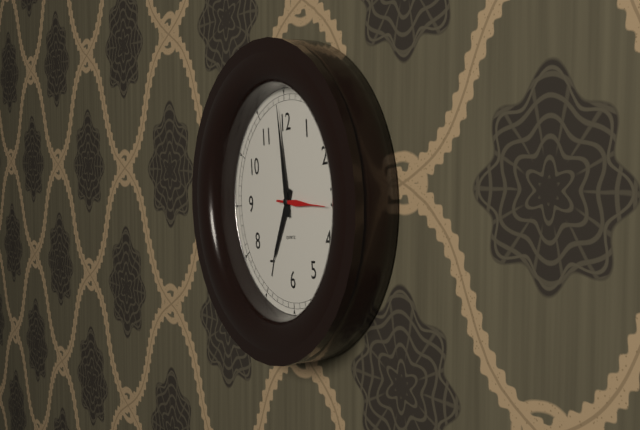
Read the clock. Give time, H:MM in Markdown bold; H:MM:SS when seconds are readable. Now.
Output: **6:59**
